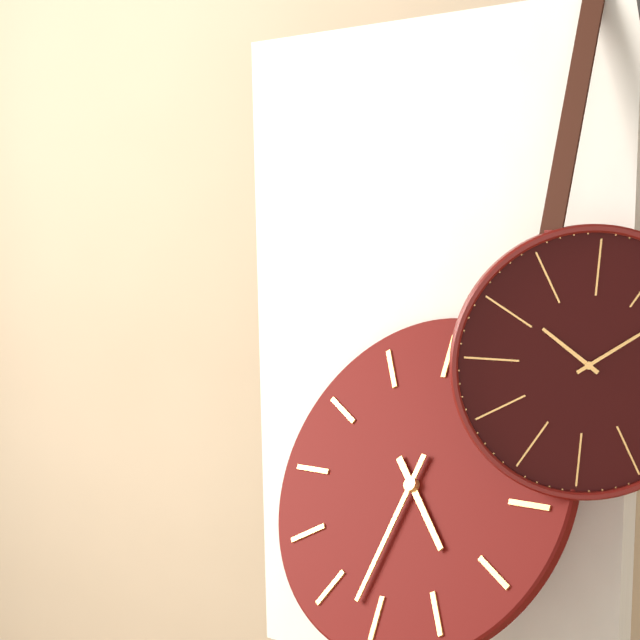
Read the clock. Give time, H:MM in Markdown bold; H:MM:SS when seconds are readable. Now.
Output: **4:32**
